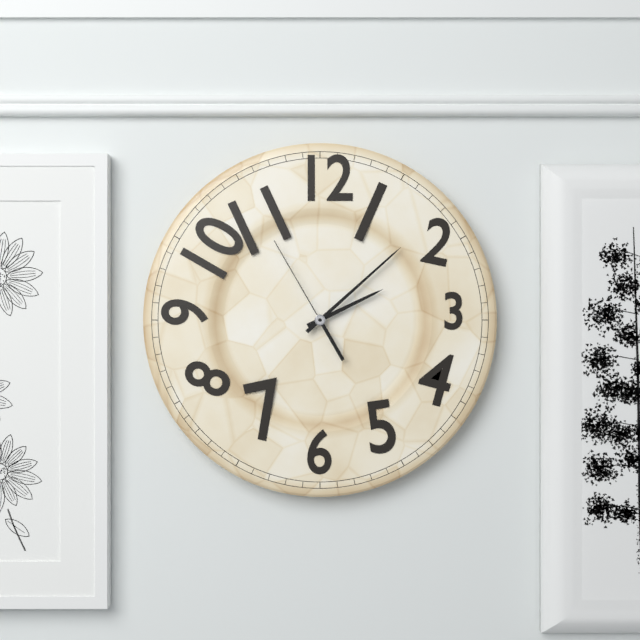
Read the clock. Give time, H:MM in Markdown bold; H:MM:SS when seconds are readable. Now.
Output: **2:08:55**
